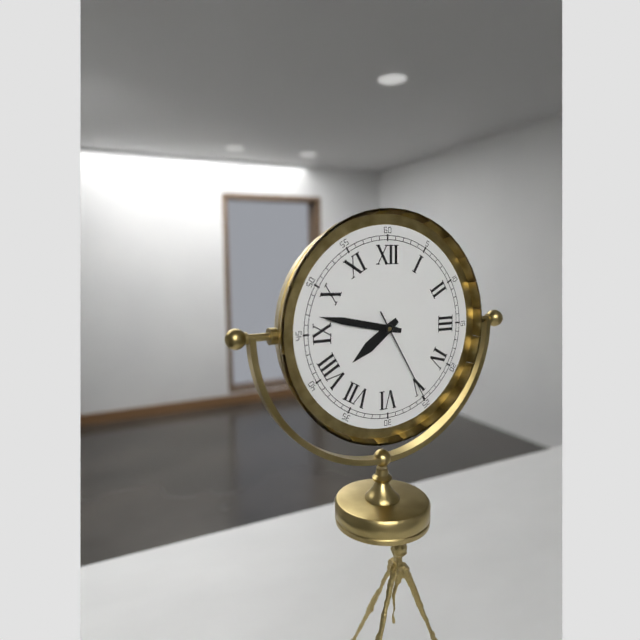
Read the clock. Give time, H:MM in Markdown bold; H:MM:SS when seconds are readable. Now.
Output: **7:47:25**
